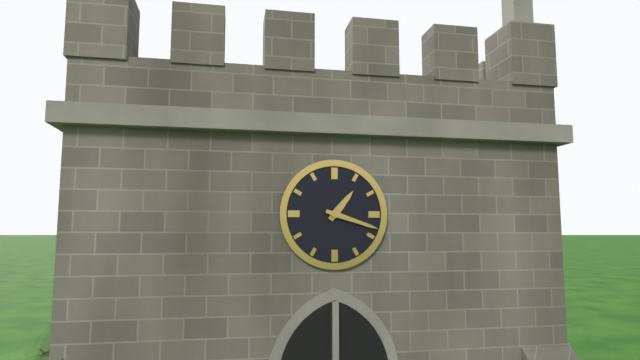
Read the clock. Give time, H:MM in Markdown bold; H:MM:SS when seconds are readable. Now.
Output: **1:18**
